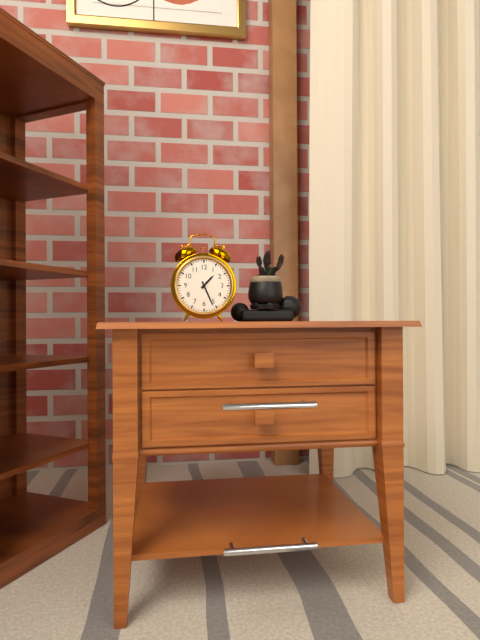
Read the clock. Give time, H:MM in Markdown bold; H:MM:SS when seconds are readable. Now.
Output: **1:26**
